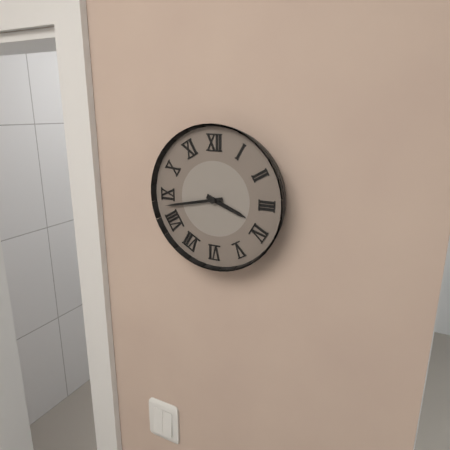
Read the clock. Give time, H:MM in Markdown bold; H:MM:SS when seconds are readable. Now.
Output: **3:43**
